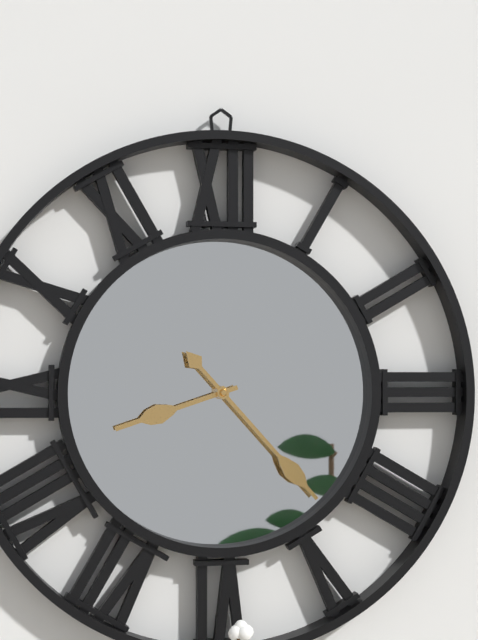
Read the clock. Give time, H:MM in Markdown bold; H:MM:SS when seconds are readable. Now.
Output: **8:23**
